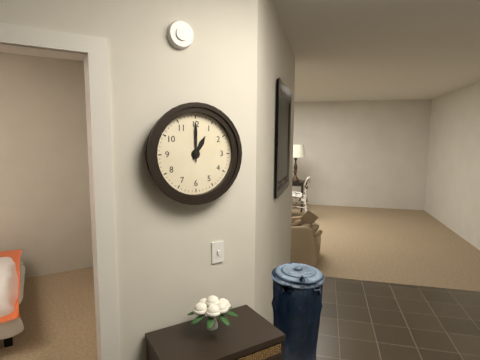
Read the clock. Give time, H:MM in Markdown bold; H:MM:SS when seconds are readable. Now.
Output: **1:00**
